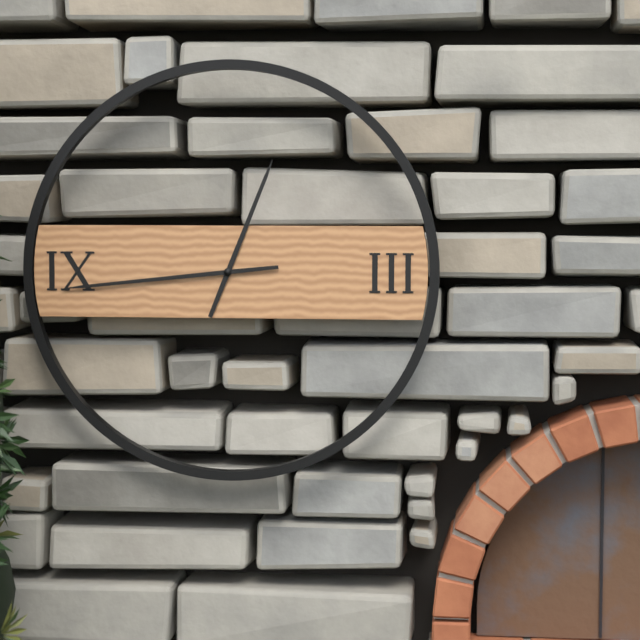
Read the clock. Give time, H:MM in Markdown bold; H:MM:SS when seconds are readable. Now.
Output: **12:44**
